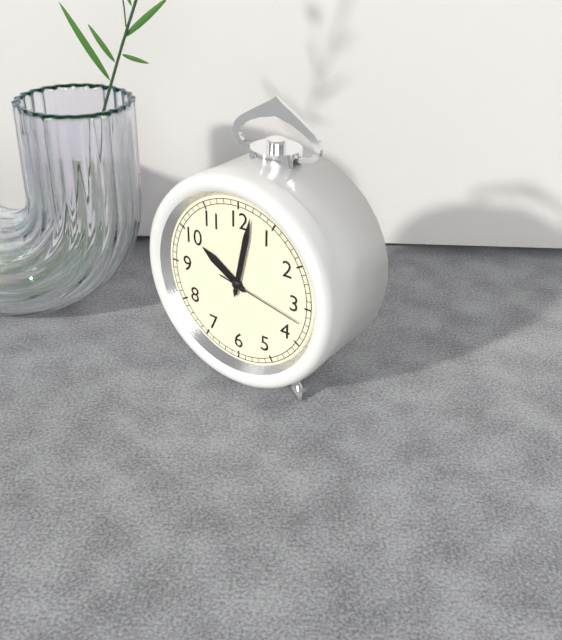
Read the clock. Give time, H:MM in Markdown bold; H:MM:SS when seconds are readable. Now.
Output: **10:02:17**
